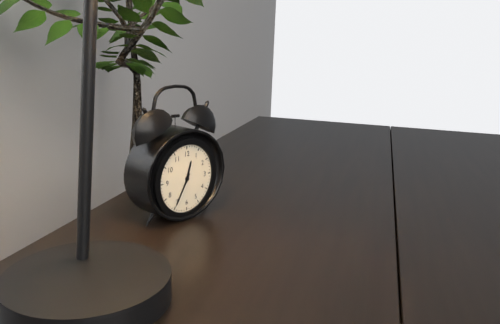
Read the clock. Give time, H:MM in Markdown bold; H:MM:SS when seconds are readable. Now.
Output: **12:35**
